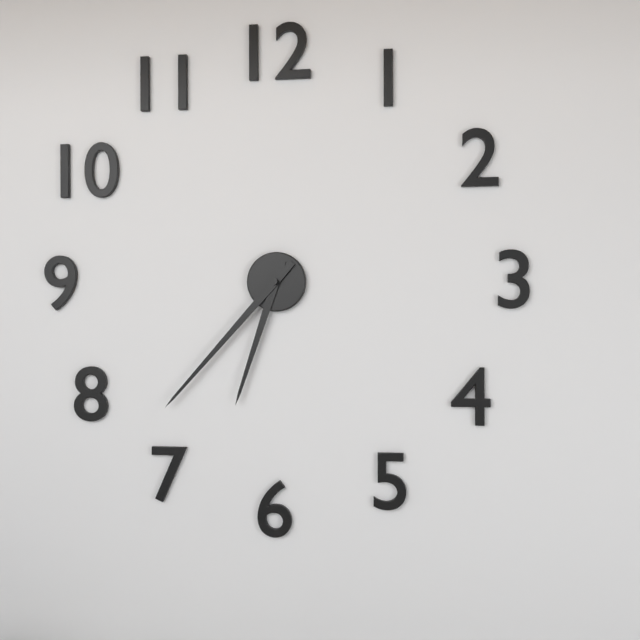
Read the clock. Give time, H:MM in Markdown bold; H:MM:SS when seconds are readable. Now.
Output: **6:37**
